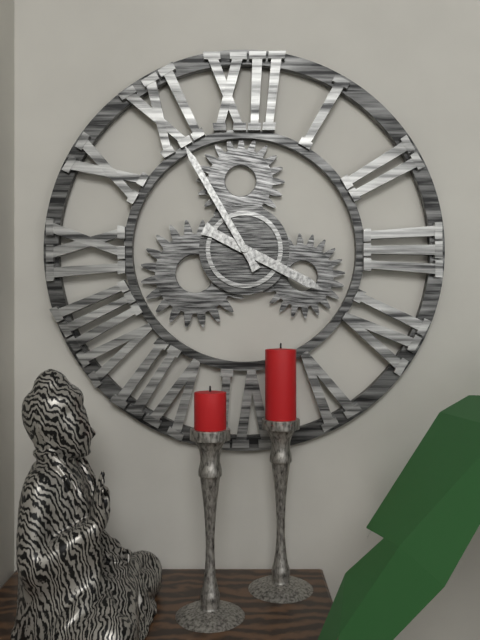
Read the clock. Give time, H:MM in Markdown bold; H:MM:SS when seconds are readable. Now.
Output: **3:55**
